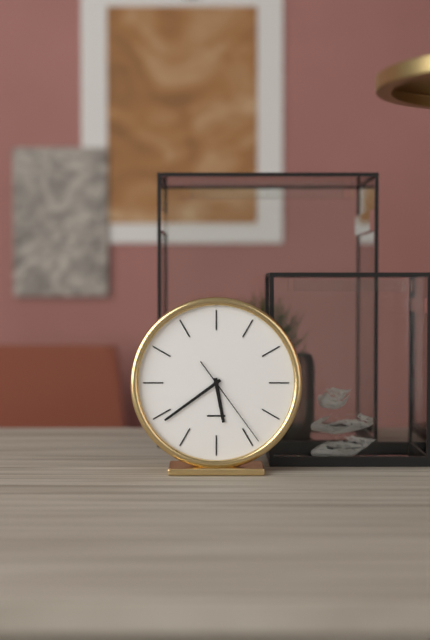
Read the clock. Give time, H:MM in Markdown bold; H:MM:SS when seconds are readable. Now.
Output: **5:39:24**
